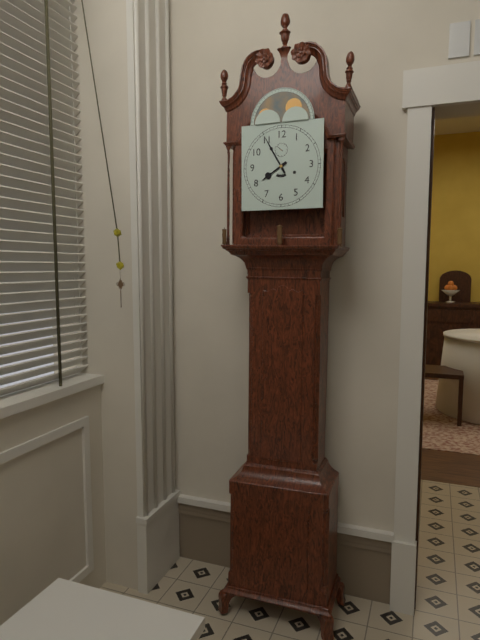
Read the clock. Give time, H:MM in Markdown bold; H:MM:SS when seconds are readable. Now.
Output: **7:55**
